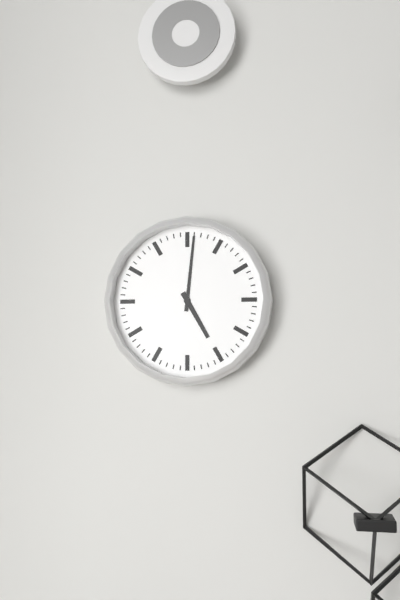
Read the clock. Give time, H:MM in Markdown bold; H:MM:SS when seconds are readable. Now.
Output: **5:01**
